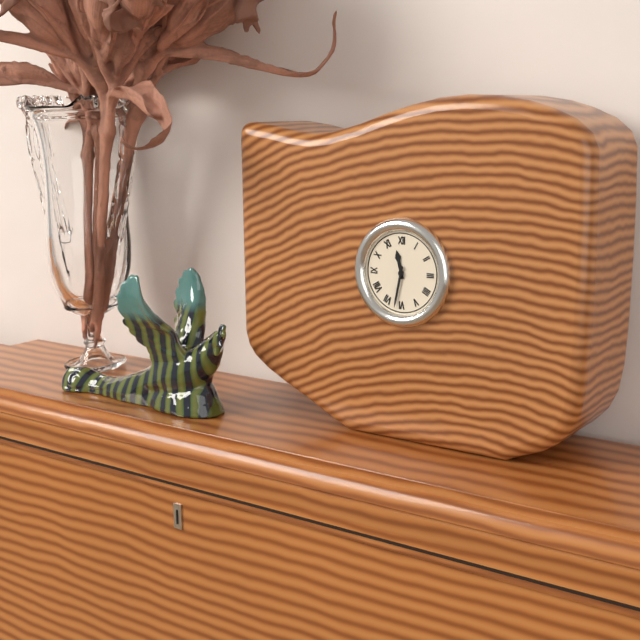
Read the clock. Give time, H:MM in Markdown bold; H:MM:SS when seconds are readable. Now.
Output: **11:32**
